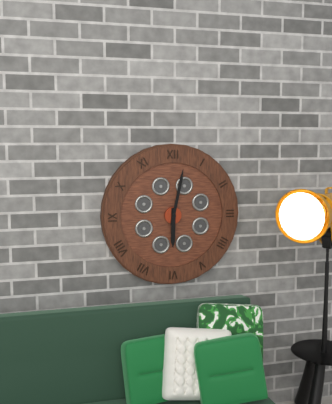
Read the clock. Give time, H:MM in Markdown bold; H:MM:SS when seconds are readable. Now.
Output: **6:02**
